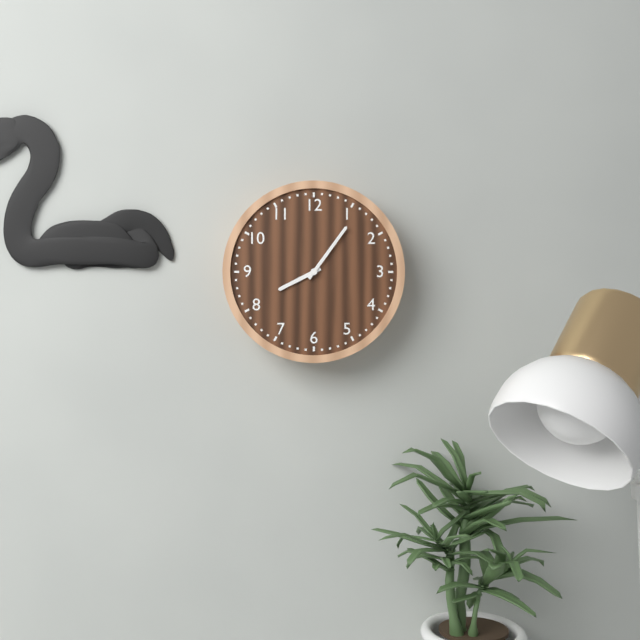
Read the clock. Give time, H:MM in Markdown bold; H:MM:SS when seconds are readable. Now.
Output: **8:06**
